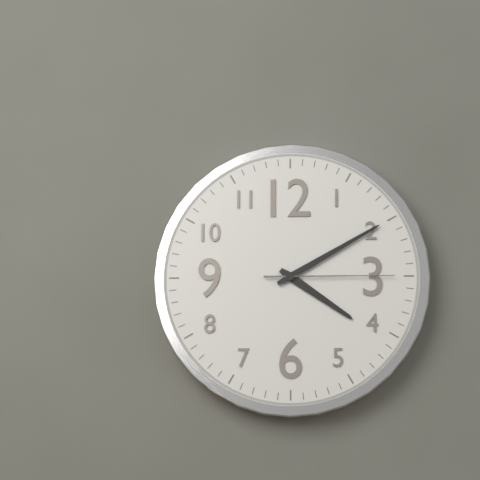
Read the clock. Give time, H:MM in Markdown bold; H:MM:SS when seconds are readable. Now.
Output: **4:10:15**
